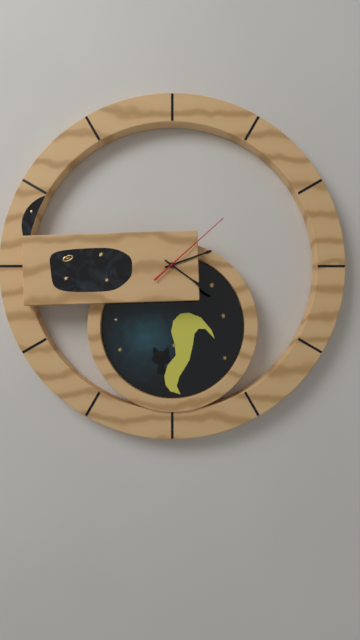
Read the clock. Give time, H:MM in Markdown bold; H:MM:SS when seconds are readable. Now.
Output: **2:21:08**
